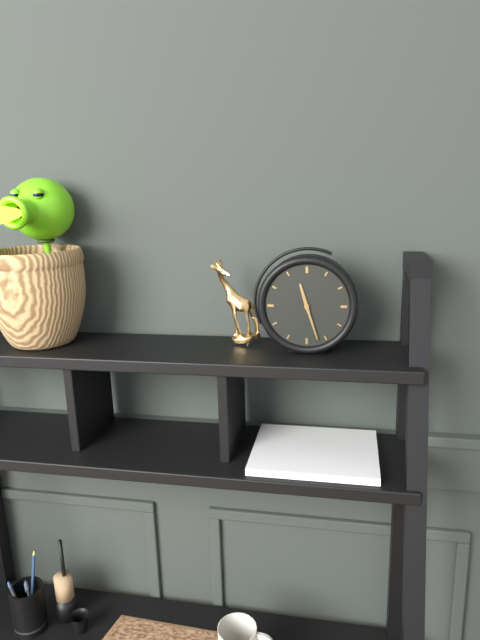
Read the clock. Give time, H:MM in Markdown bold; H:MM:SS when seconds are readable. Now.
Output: **11:27**
